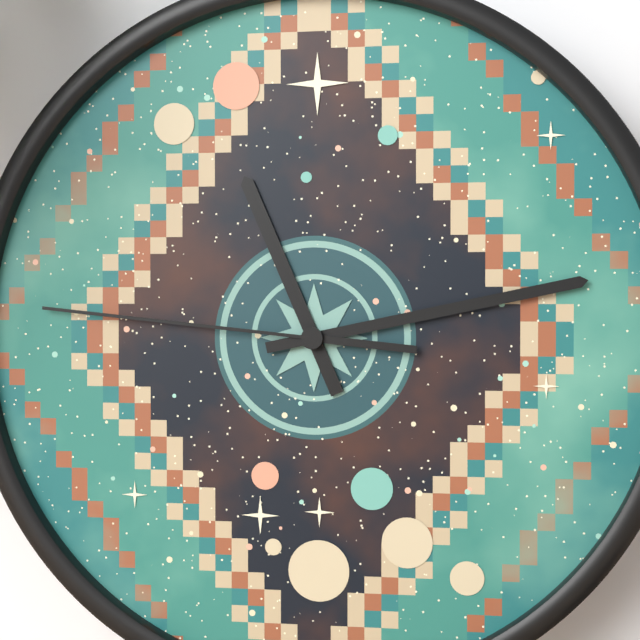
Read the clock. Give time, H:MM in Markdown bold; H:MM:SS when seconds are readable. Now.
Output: **11:13:46**
